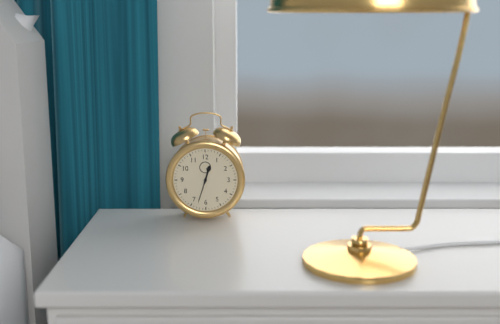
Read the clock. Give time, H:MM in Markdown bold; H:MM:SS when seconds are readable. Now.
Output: **12:33**
